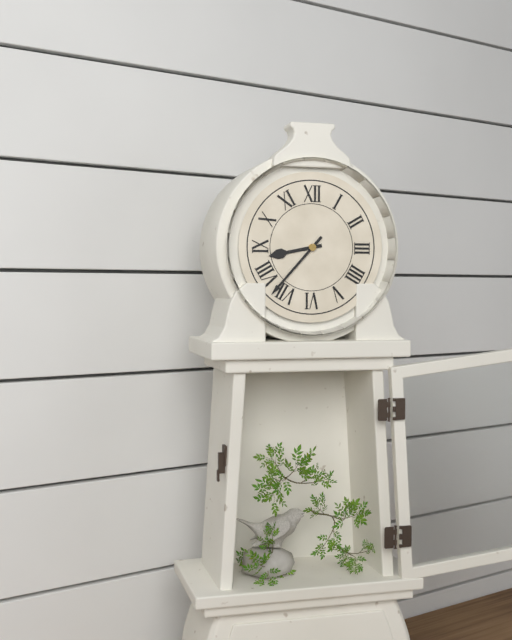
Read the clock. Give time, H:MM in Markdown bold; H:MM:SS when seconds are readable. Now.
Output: **8:37**
